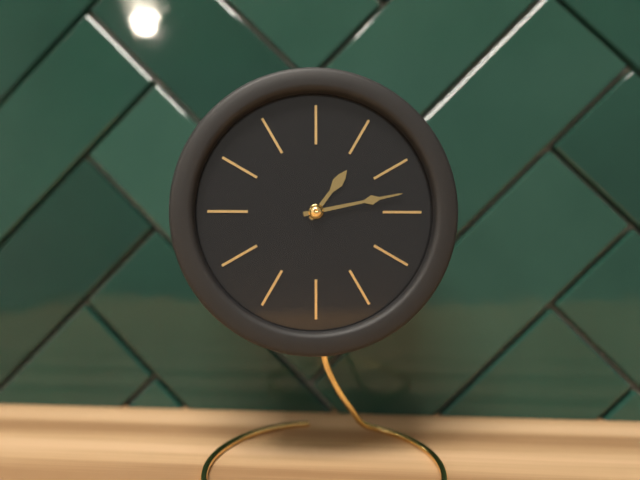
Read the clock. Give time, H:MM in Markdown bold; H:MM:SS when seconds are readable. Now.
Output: **1:13**
